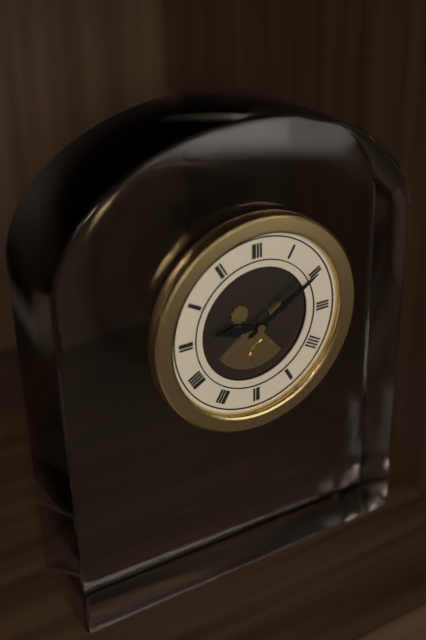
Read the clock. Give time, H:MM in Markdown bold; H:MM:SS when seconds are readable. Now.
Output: **9:10**
